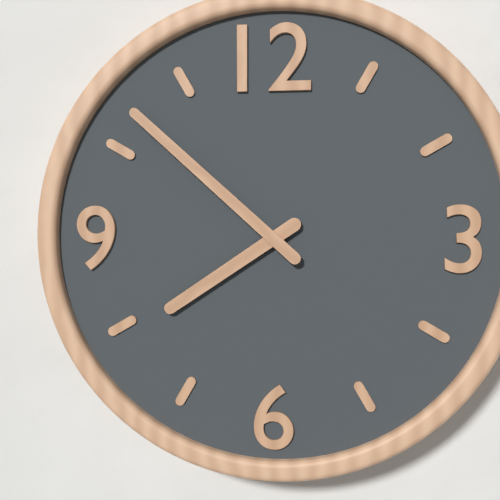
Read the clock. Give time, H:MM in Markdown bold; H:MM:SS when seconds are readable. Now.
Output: **7:52**
